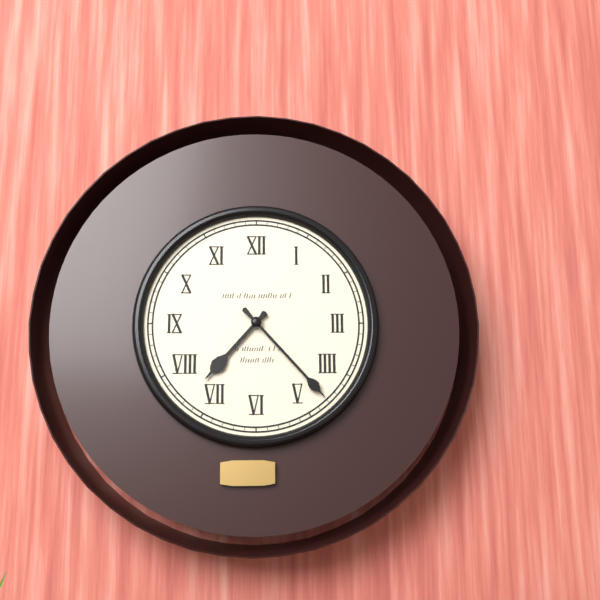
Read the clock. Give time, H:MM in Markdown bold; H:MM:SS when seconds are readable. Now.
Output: **7:23**
